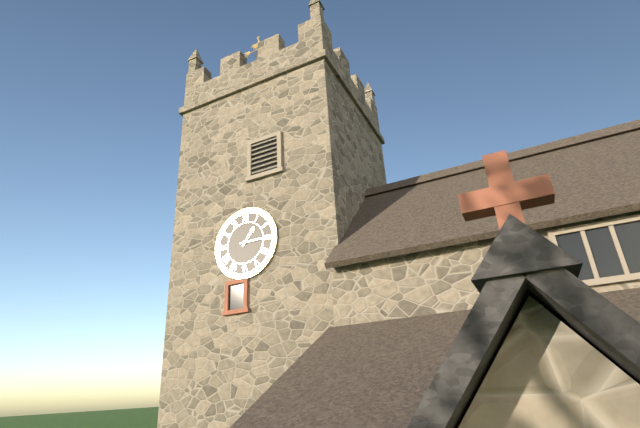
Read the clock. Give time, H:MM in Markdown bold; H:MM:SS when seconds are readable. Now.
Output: **1:15**
